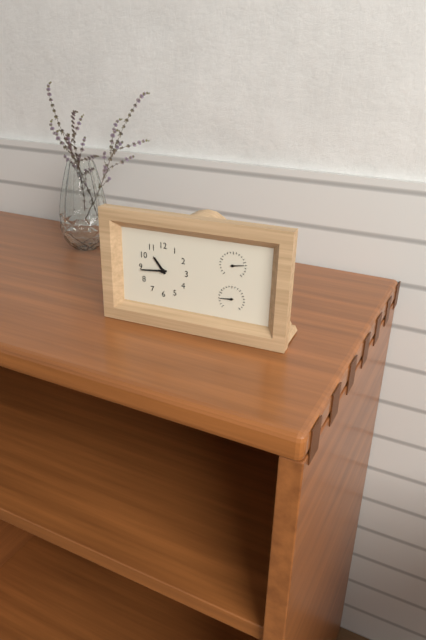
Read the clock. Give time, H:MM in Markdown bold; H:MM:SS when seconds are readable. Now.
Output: **10:44**
